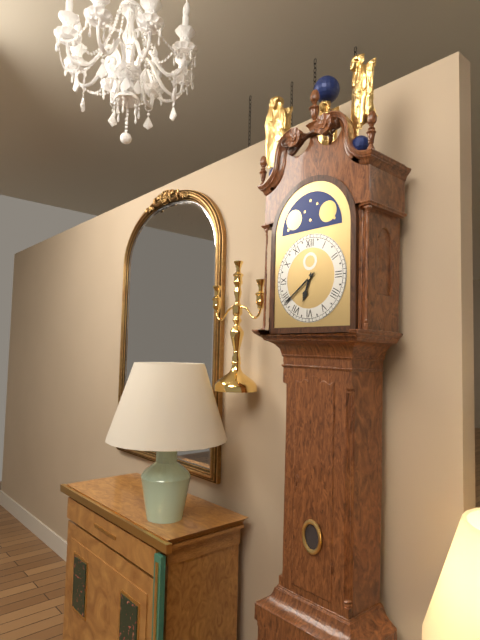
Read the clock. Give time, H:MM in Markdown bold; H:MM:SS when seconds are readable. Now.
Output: **6:39**
